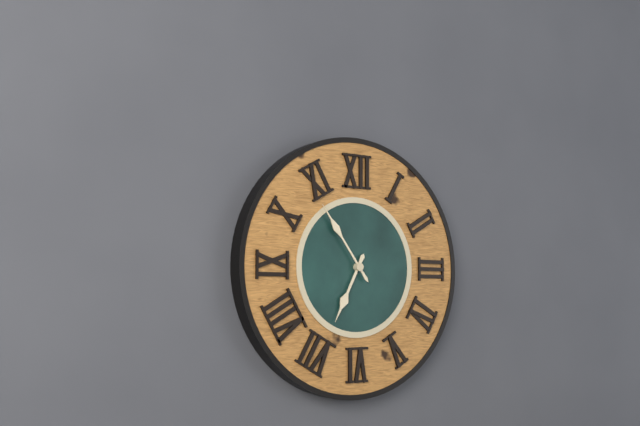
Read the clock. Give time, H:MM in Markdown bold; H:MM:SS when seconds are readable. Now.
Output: **6:54**
